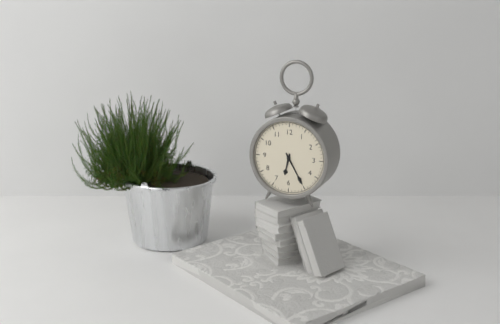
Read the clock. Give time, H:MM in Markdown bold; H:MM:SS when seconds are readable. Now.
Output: **6:25**
